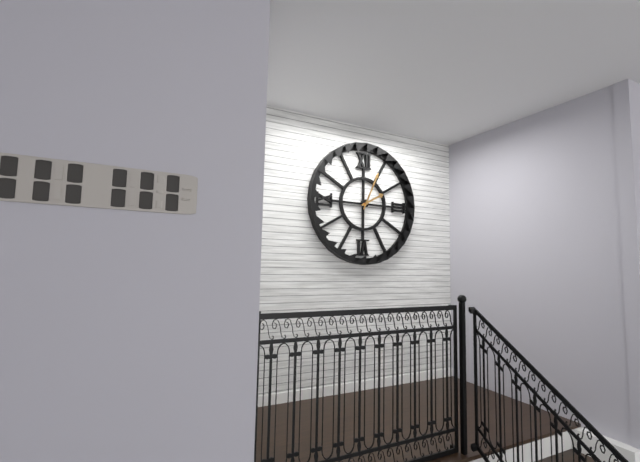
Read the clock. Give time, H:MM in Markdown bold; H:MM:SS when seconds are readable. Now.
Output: **2:04**
